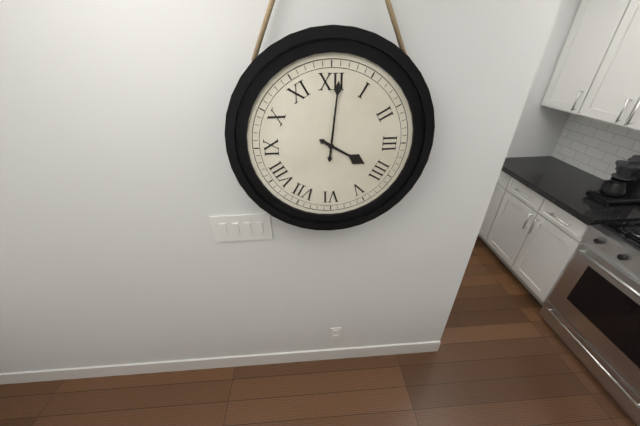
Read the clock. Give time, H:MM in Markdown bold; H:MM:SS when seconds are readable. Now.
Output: **4:01**
